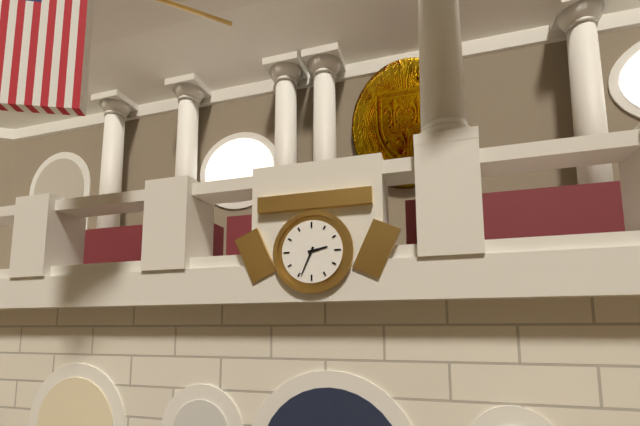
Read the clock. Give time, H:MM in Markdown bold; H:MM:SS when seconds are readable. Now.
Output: **2:34**
